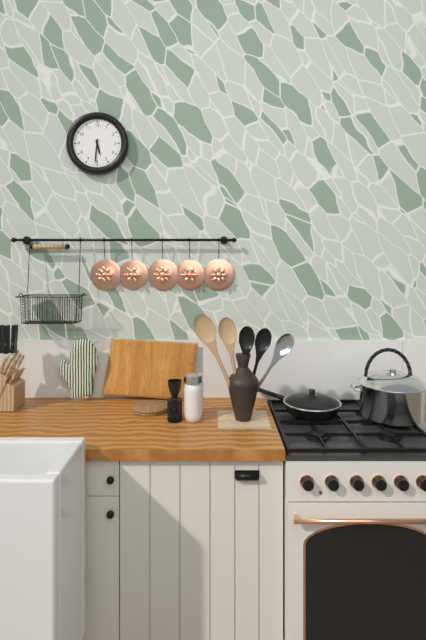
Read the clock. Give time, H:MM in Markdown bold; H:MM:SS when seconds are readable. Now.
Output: **5:31**
